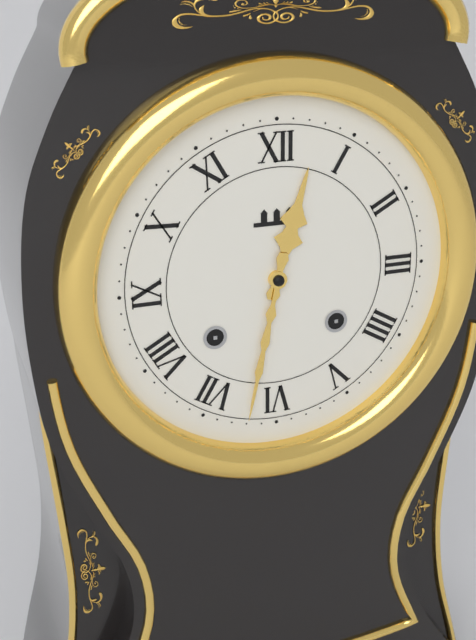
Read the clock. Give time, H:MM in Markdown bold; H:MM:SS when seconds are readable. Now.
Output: **12:32**
